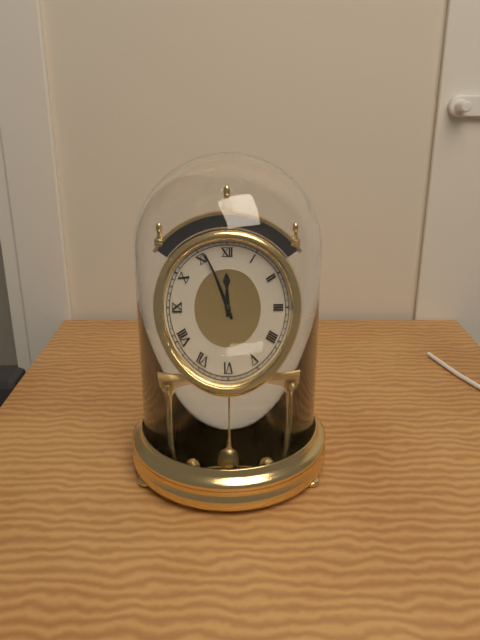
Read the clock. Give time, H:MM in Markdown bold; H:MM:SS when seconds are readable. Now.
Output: **11:56**
